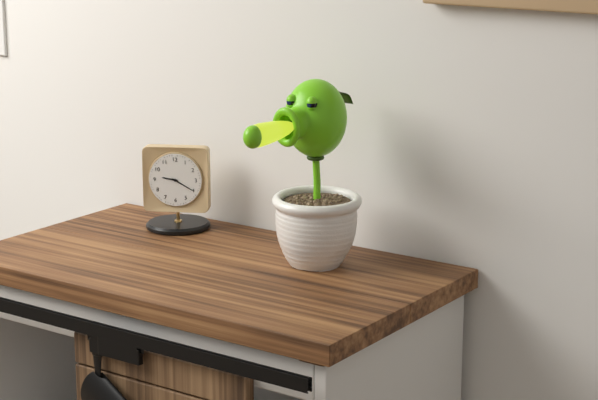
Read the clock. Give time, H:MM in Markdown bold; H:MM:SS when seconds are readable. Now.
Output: **9:20**
